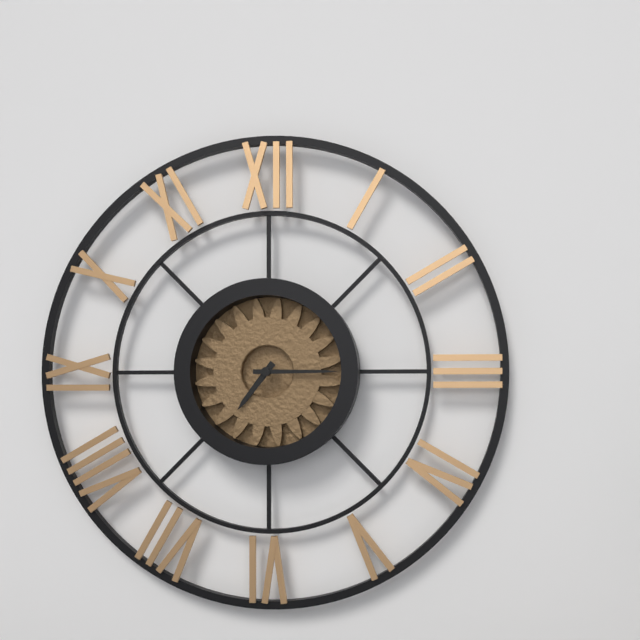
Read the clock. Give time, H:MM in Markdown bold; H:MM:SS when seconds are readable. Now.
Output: **7:15**
